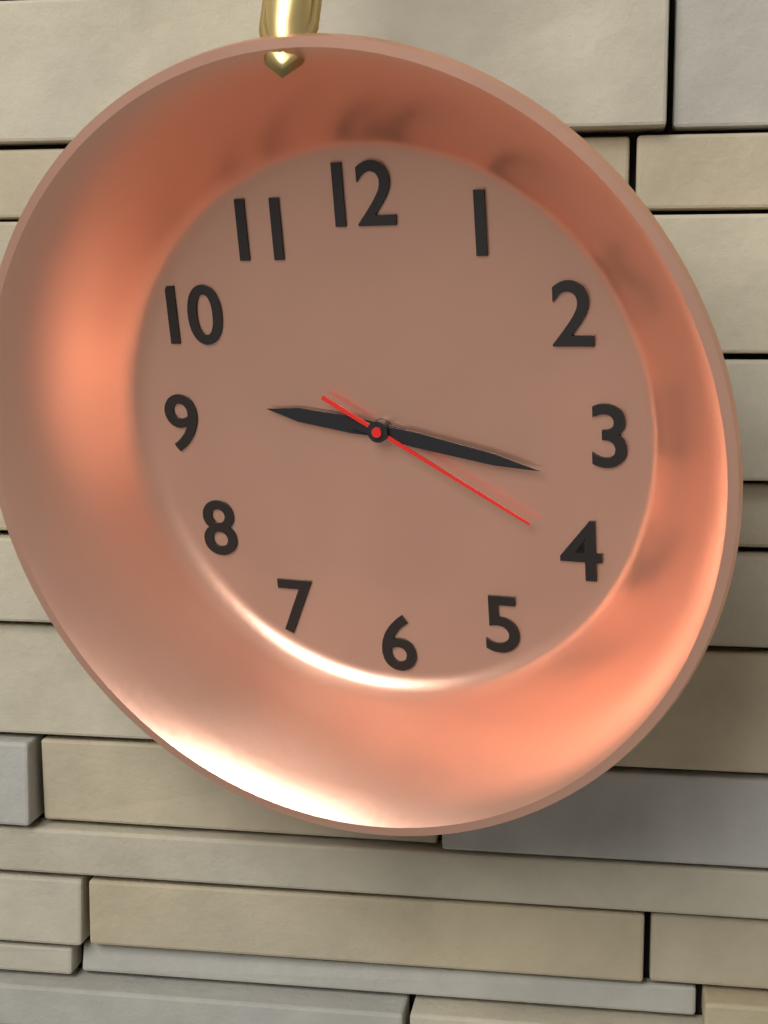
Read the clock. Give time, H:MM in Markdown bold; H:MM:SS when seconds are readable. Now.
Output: **9:17:20**
